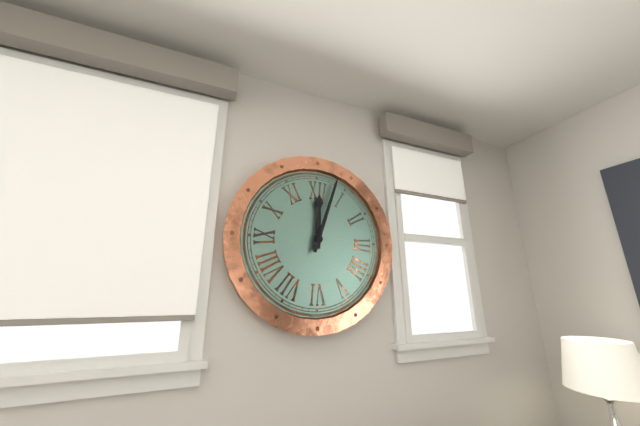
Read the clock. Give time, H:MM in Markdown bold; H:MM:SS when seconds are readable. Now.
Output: **12:03**
